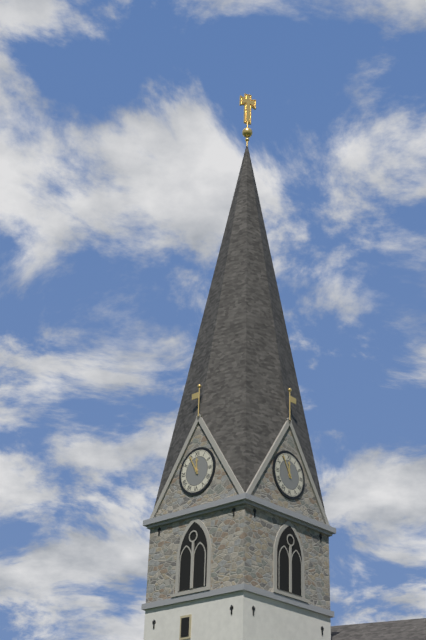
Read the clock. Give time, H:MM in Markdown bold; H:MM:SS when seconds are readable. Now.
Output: **11:55**
